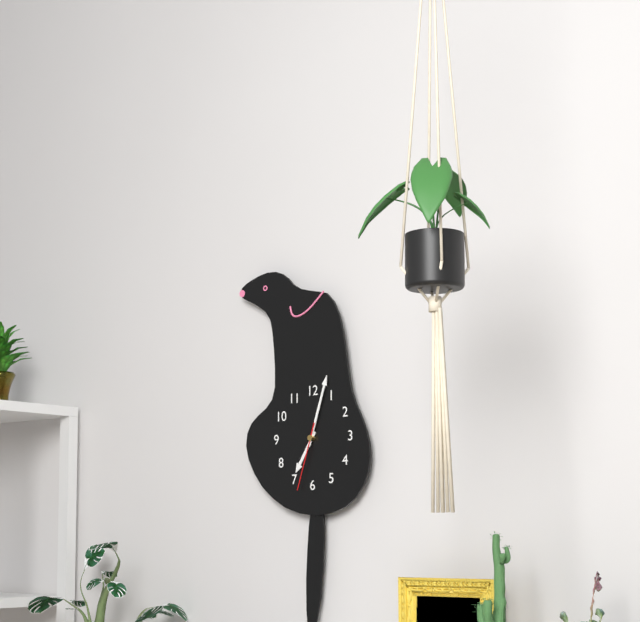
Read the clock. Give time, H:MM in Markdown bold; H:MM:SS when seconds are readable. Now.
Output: **7:03:33**
